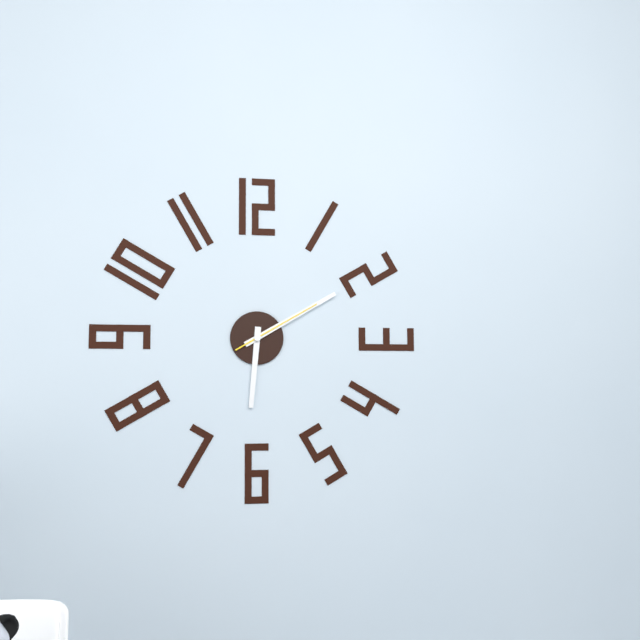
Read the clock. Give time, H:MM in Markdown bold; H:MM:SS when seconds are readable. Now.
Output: **6:10:10**
